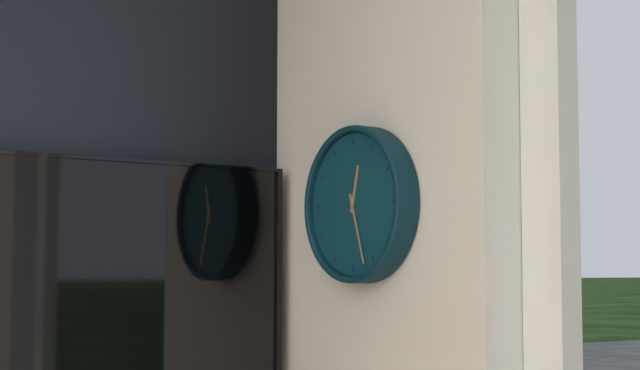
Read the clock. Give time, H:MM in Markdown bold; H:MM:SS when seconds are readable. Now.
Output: **12:27**
